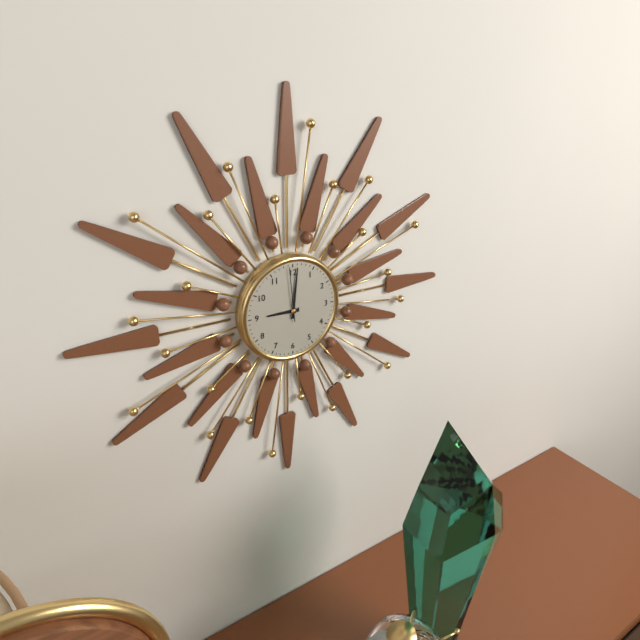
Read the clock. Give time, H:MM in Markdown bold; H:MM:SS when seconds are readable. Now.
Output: **9:01:59**
